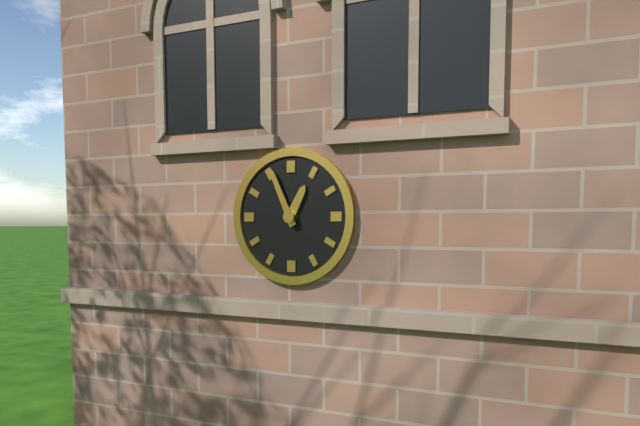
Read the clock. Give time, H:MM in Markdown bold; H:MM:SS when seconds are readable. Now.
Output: **12:56**
